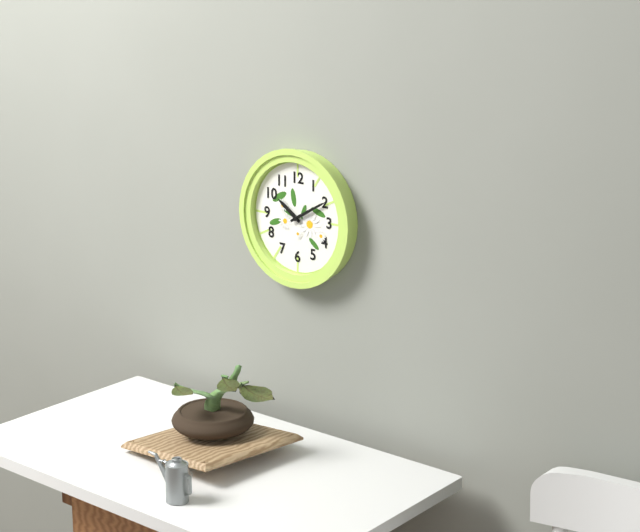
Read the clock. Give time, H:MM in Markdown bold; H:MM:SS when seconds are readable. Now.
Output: **10:10**
